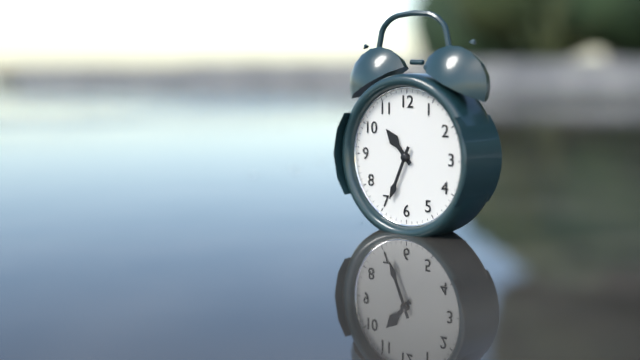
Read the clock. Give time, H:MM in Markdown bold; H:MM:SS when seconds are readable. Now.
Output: **10:34**
